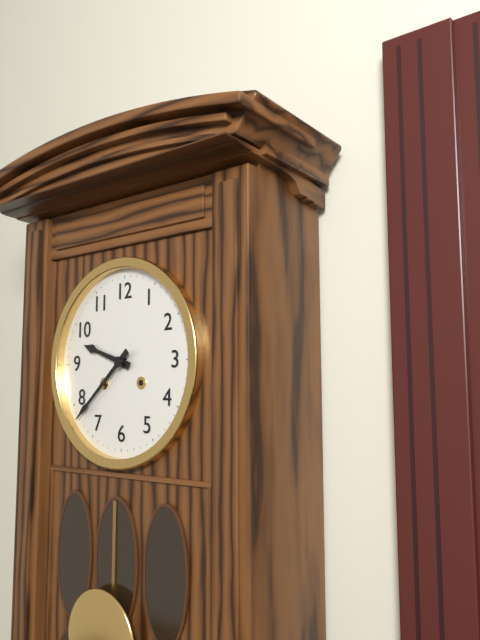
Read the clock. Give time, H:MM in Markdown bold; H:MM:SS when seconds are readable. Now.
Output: **9:38**
